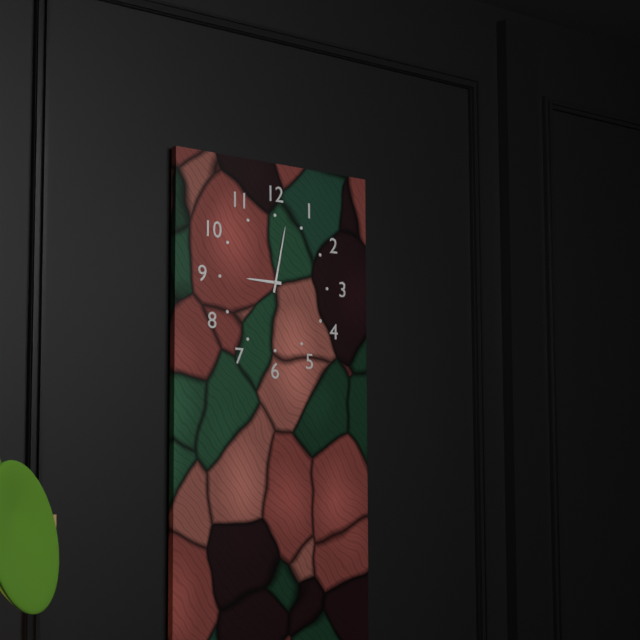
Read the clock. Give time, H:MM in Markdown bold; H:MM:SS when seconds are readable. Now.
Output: **9:02**
